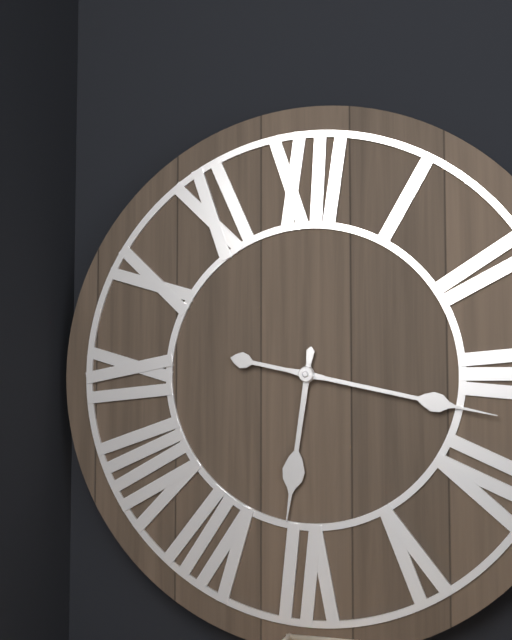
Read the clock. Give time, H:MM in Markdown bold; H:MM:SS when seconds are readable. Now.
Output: **6:17**
